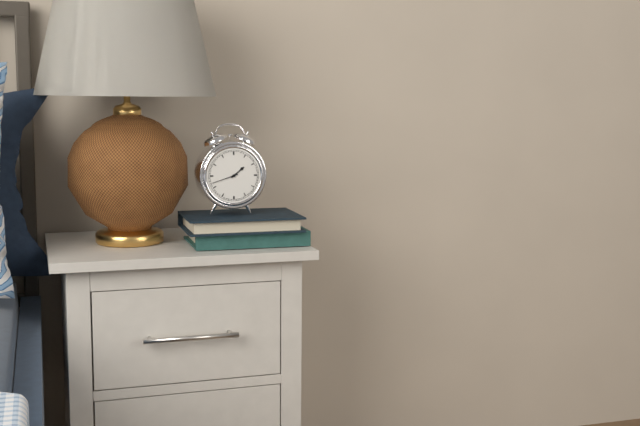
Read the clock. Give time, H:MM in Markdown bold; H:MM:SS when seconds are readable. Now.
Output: **1:42**
